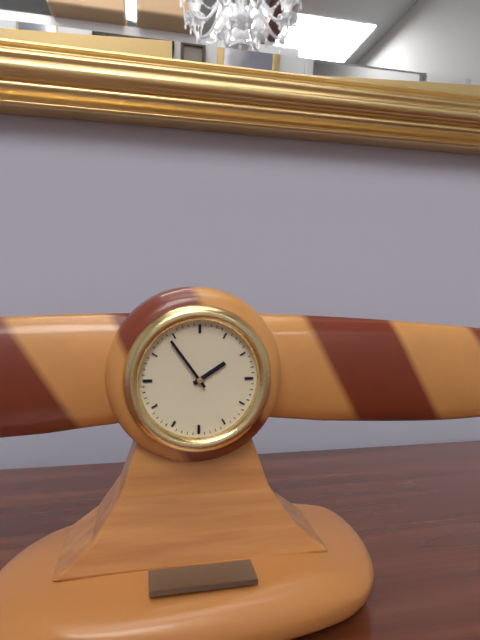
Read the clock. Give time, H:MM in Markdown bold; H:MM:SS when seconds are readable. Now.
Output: **1:54**
